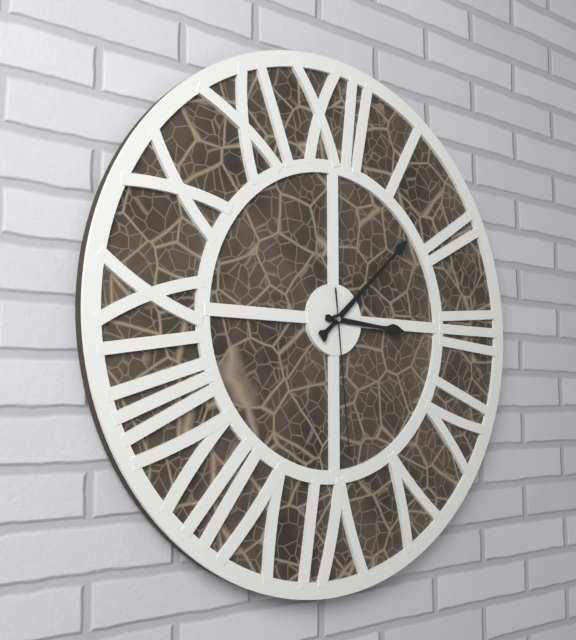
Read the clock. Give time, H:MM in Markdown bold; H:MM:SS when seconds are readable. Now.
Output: **3:08:29**
